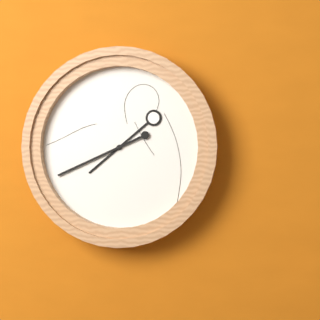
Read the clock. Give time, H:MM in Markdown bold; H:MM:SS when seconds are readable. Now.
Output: **7:41**
